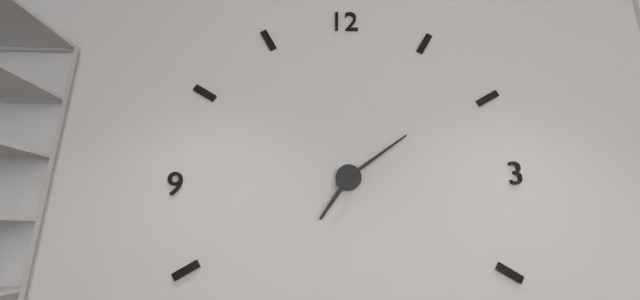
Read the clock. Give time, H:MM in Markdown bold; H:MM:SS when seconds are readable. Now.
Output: **7:09**
